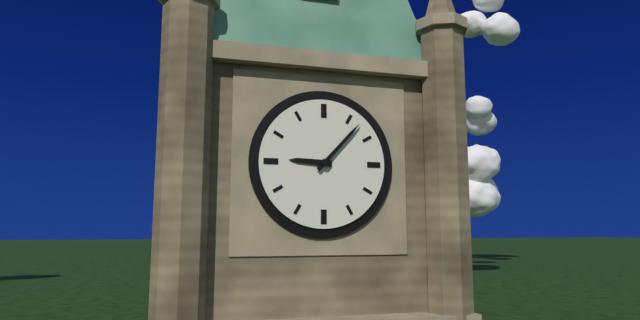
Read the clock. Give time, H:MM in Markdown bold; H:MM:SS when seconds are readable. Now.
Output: **9:07**
